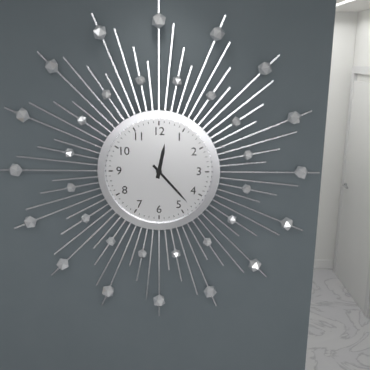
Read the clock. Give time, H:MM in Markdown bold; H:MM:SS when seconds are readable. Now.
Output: **12:23**
